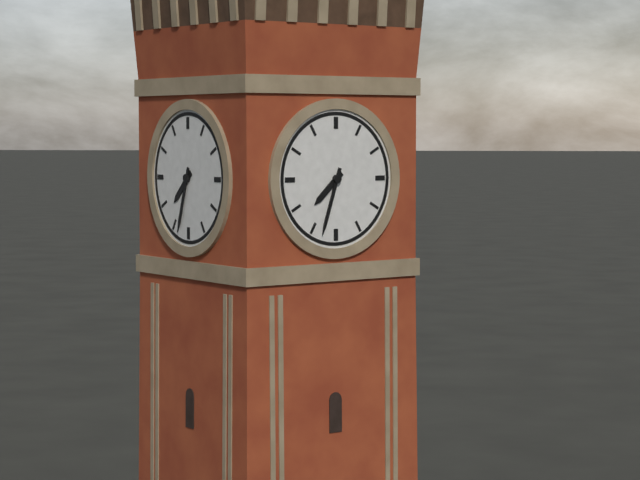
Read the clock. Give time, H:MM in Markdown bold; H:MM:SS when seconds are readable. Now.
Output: **7:33**
